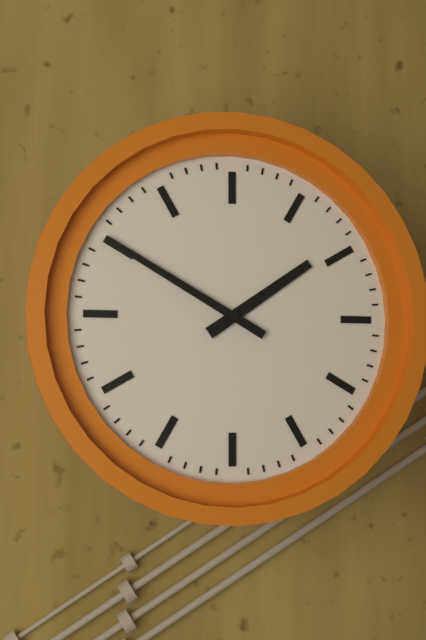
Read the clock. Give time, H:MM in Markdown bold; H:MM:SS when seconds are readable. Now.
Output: **1:50**
